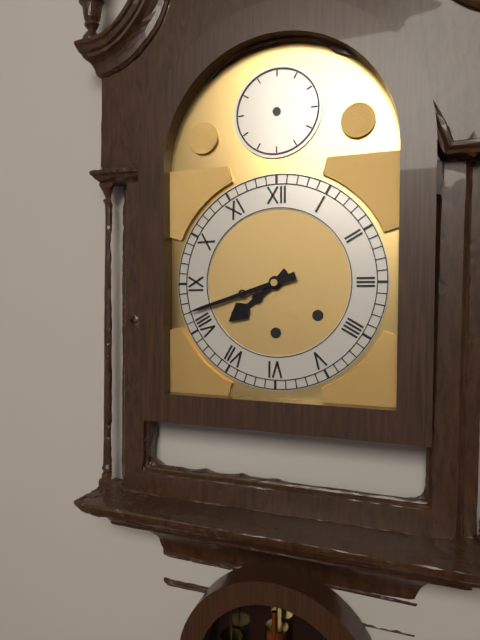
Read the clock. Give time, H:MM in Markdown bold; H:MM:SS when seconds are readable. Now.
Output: **7:42**
